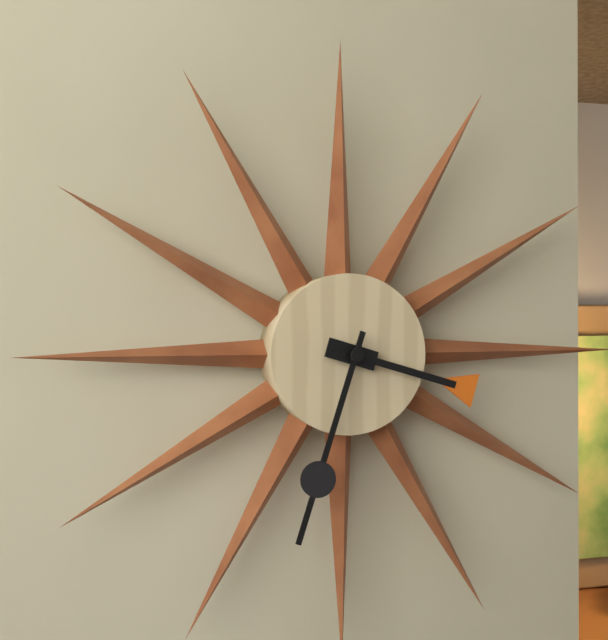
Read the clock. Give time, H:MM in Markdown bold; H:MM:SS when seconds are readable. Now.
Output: **3:33**
